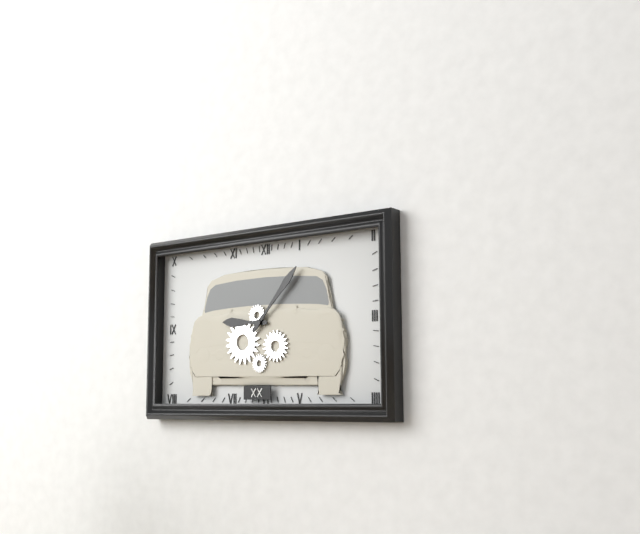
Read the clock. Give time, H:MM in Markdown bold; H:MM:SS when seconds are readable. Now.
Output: **9:07**
